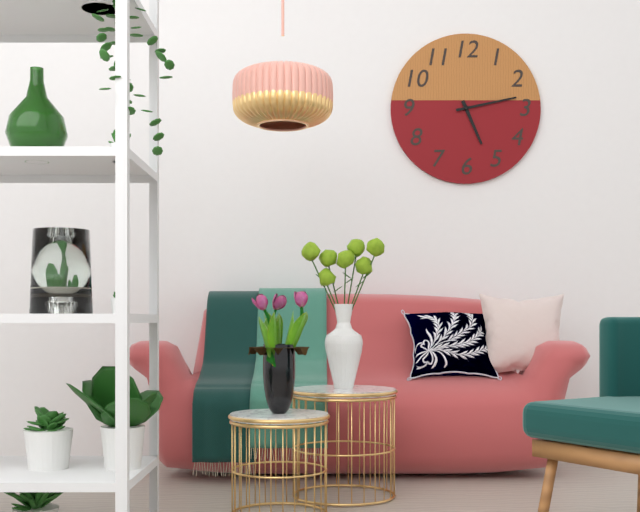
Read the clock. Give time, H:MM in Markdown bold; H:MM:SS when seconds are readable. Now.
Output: **5:13**
